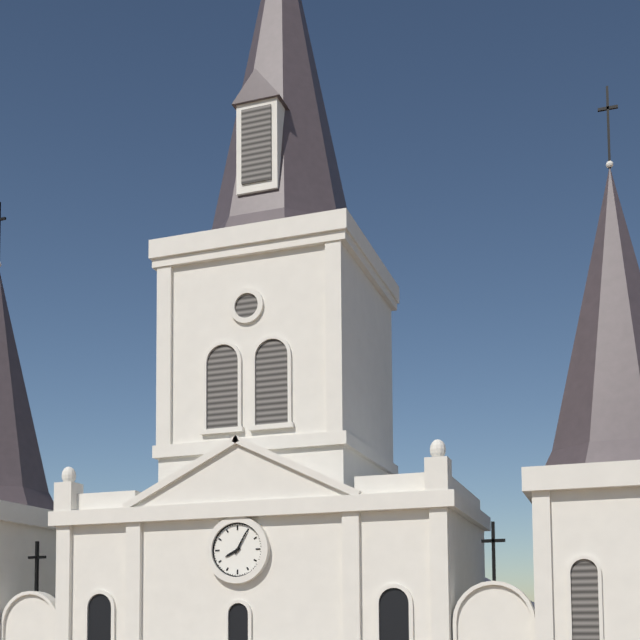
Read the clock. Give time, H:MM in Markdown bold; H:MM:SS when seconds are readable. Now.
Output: **8:05**
